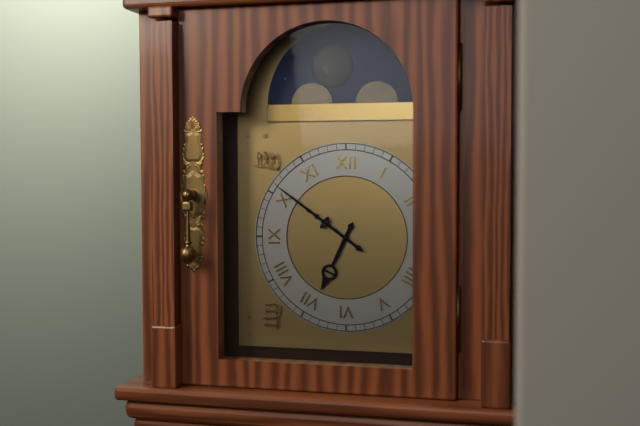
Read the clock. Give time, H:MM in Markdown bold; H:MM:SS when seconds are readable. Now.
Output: **6:51**
